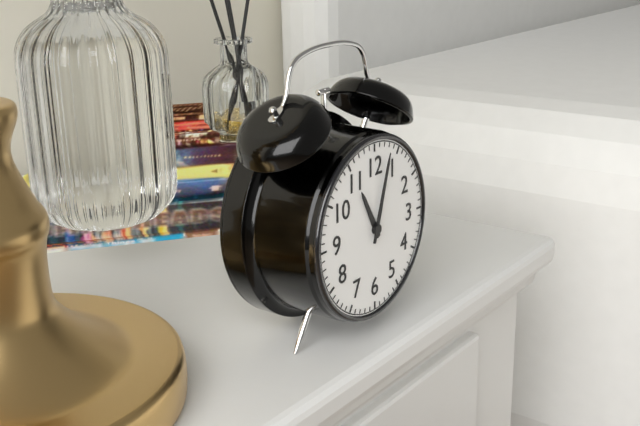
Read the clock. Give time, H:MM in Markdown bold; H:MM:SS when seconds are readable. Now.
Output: **11:03**
